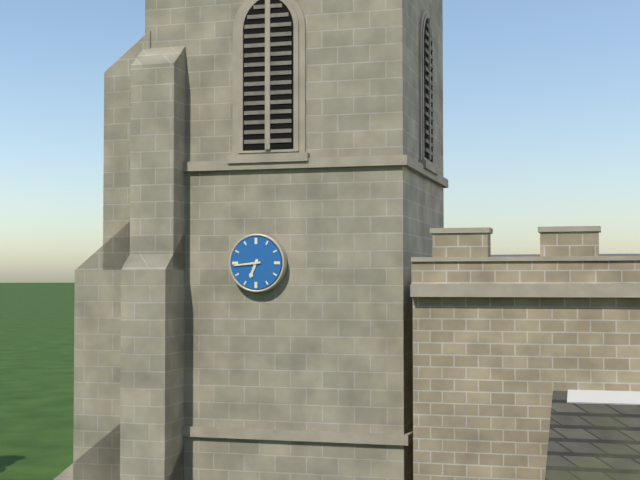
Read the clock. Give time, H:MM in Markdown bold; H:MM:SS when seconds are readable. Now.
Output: **6:44**
